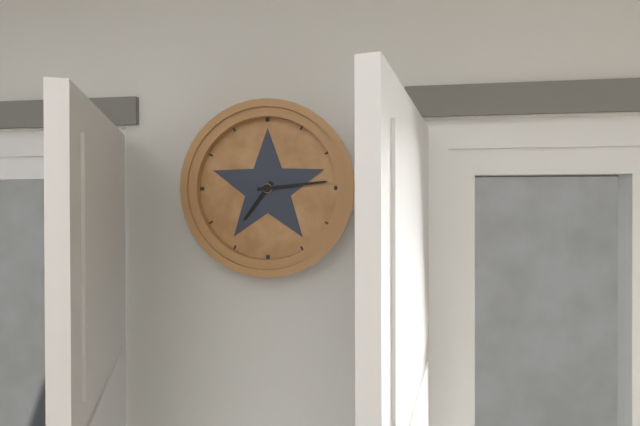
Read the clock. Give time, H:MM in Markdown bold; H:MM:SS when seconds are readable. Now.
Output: **7:14**
